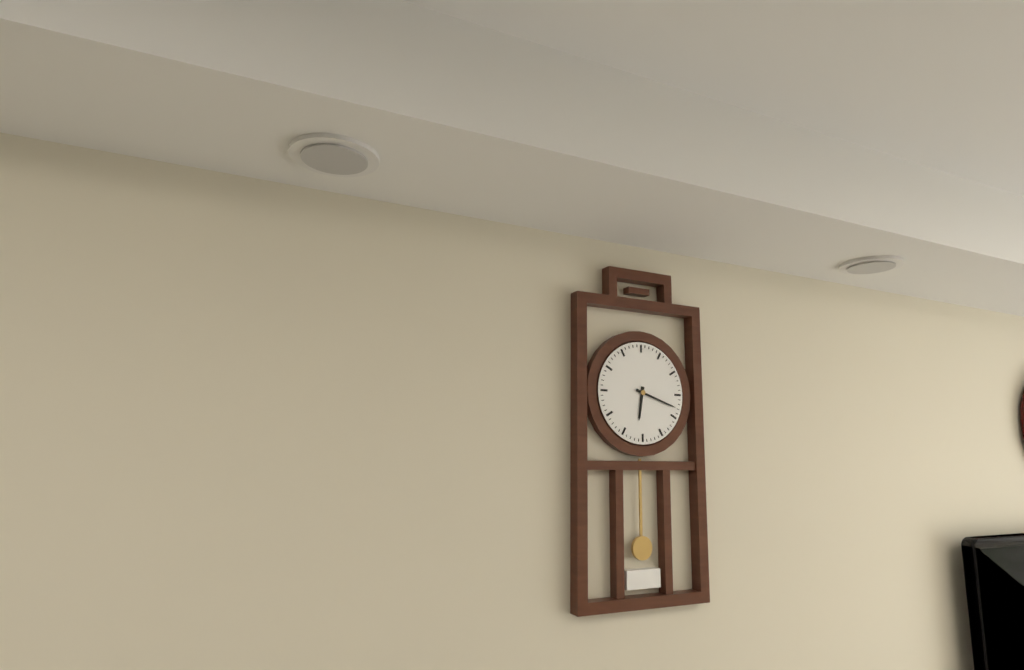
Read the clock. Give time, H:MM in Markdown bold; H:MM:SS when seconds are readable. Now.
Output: **6:18**
